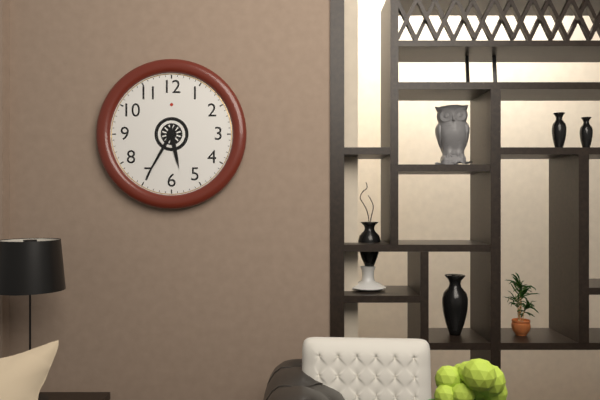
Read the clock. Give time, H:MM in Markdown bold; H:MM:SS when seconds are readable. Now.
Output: **5:35**
